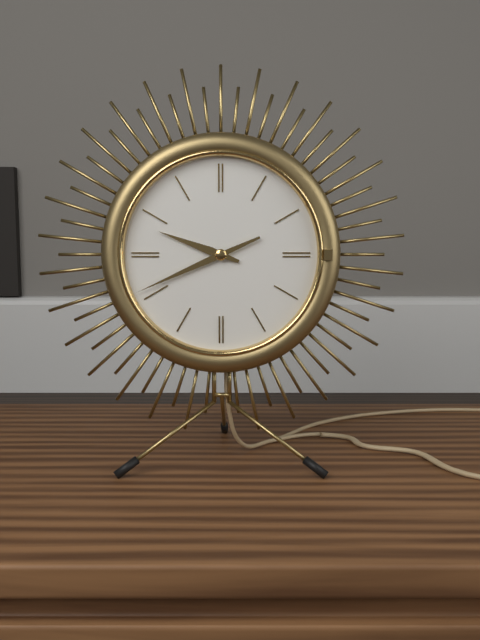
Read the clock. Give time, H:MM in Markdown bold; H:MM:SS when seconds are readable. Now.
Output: **9:41**
